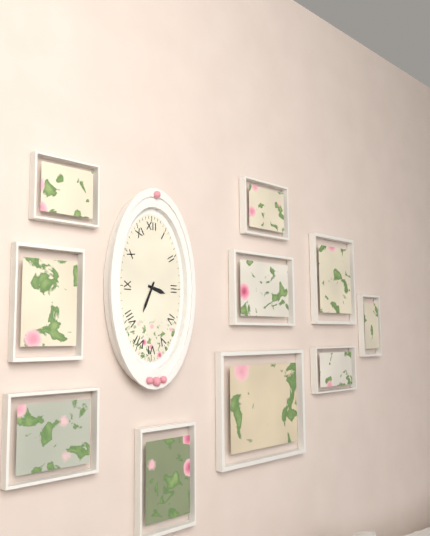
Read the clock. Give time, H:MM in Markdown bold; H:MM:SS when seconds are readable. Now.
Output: **3:34**
